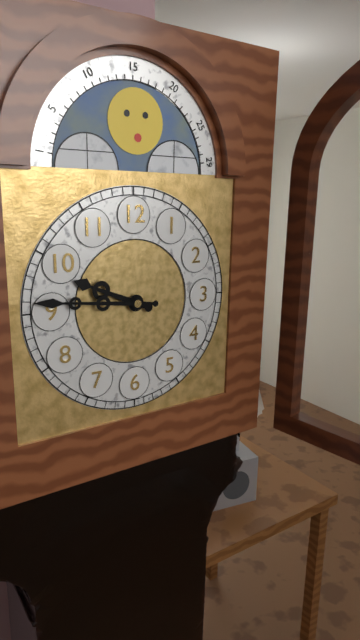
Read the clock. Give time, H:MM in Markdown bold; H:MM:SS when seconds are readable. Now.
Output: **9:46**
